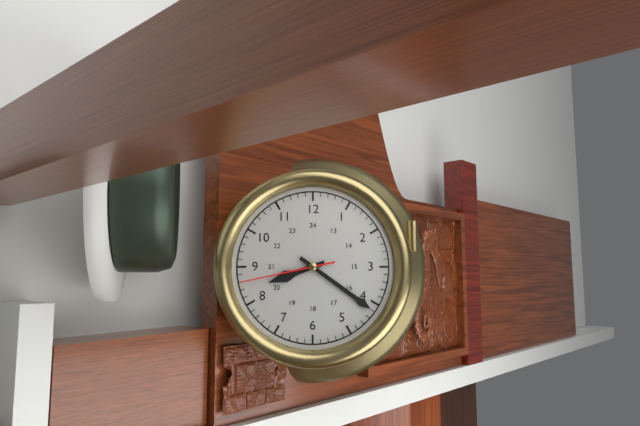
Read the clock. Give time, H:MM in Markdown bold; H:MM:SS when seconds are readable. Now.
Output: **8:21:43**
